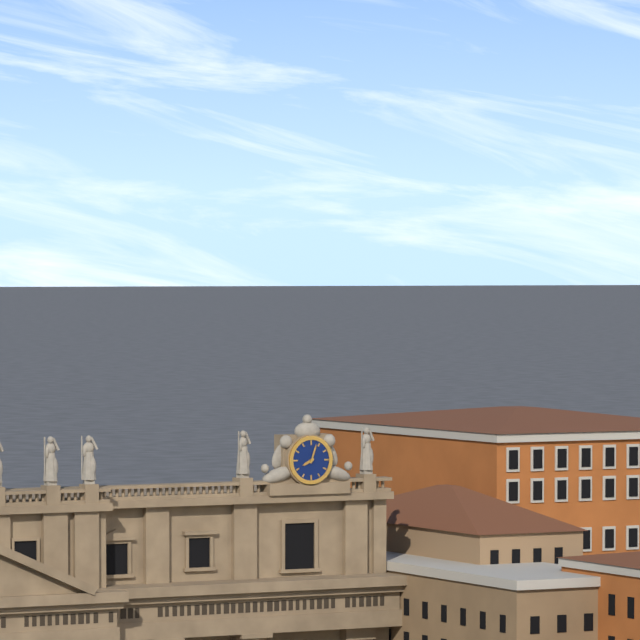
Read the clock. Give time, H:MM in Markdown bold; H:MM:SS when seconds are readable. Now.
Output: **8:03**
